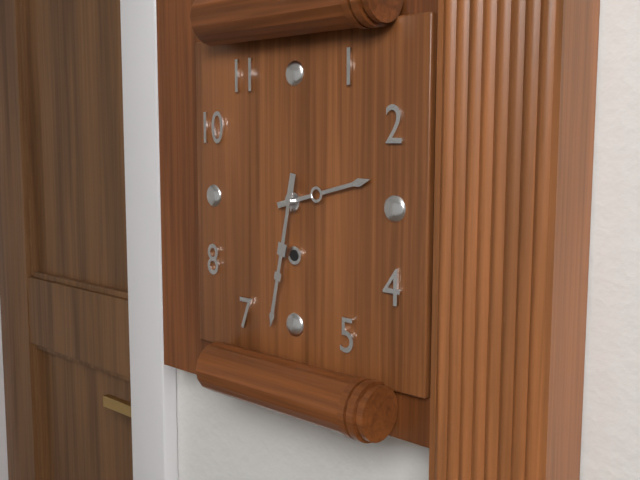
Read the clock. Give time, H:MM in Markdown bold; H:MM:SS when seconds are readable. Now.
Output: **2:32**
